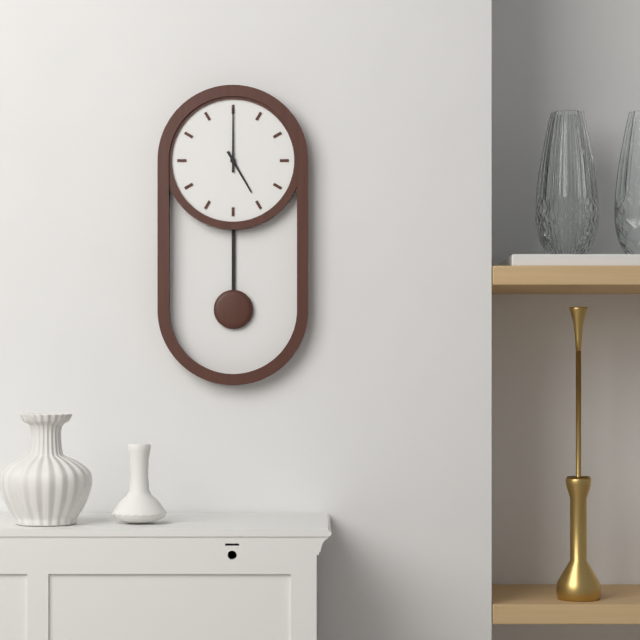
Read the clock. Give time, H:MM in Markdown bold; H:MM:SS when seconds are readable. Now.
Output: **5:00**
